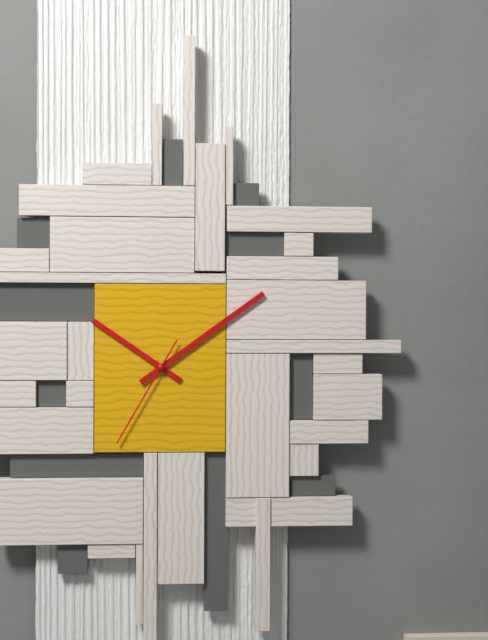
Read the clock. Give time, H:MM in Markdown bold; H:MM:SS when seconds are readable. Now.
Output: **10:09:35**
